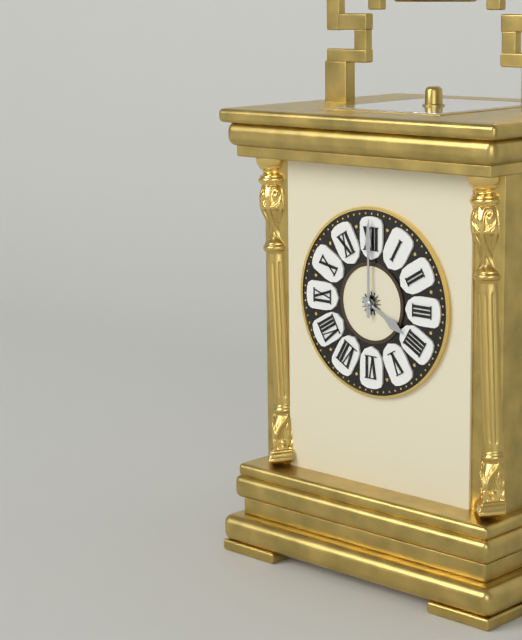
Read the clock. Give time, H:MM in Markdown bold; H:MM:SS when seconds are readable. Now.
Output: **4:00**
